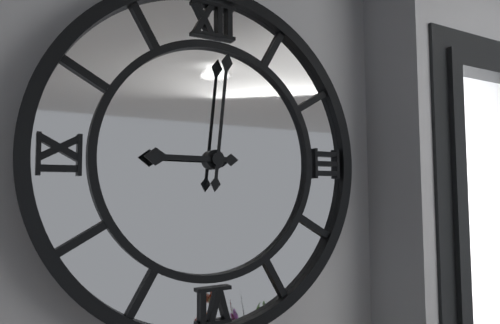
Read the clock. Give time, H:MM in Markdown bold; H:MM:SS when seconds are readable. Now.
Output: **9:01**
